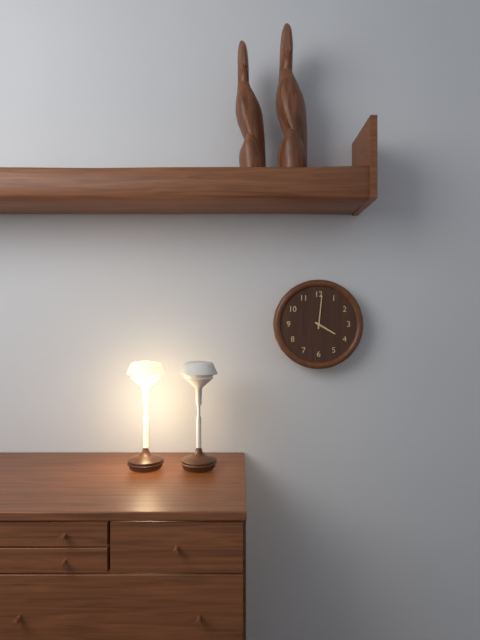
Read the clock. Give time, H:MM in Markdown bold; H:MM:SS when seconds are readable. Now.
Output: **4:01**
